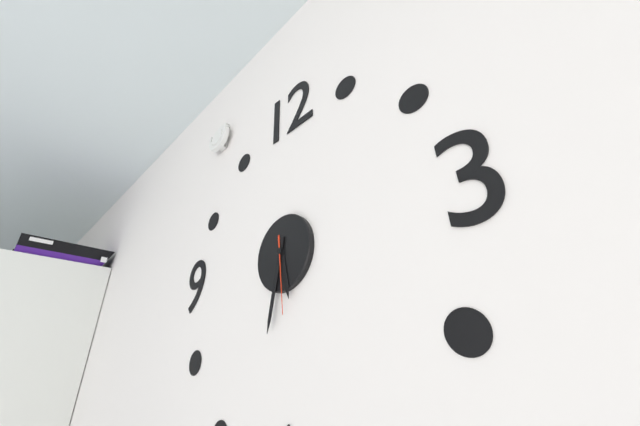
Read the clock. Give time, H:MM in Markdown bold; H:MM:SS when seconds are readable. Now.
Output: **5:32:29**
